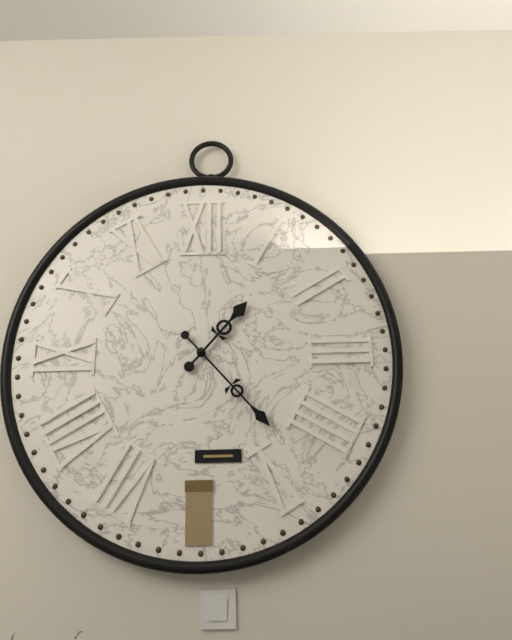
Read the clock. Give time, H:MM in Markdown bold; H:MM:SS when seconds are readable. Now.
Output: **1:23**
